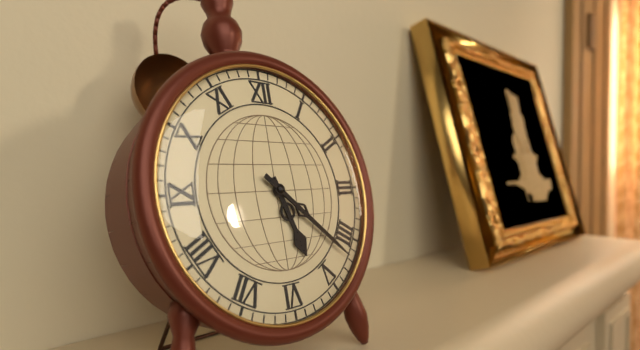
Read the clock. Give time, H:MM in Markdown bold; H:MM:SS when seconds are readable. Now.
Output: **5:22**
